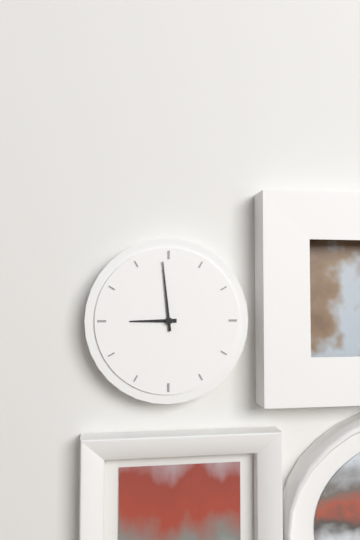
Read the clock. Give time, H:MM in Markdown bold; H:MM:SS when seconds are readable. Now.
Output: **8:59**
